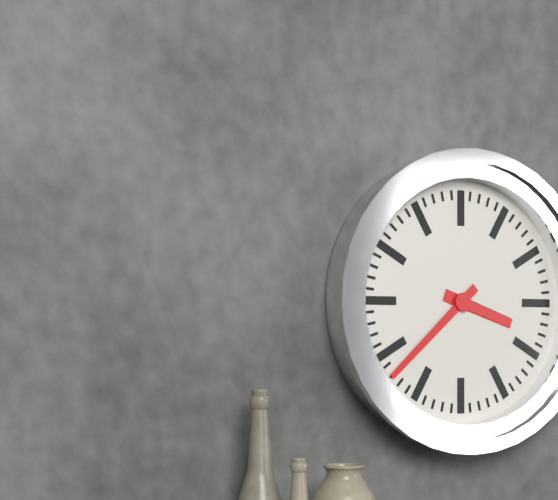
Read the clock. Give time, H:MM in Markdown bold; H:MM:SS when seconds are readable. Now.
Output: **3:38**
